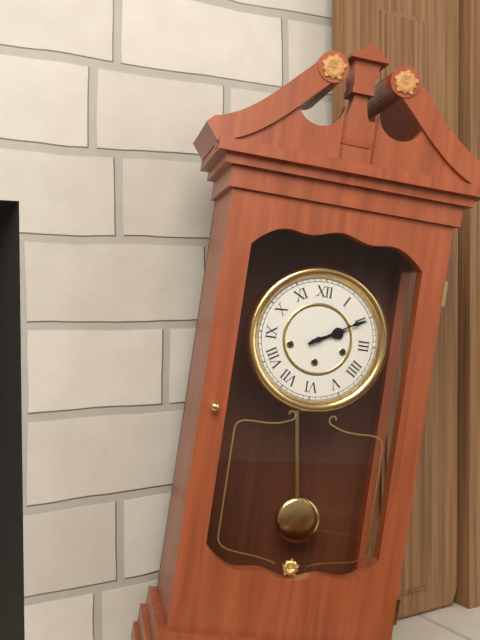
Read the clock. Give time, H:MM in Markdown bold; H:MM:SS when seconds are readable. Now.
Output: **2:10**
